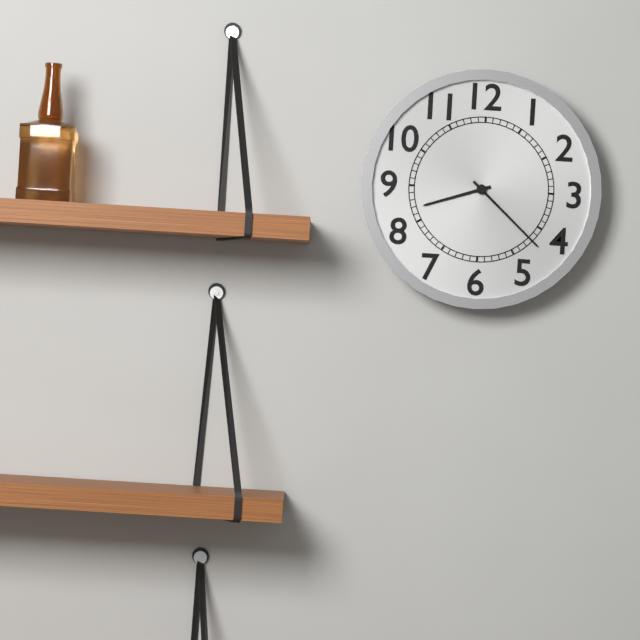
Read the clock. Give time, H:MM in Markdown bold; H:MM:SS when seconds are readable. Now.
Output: **8:22**
